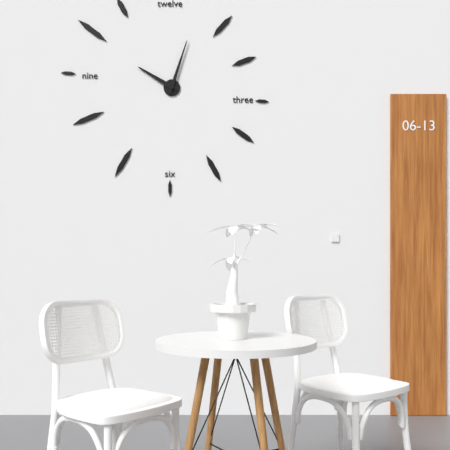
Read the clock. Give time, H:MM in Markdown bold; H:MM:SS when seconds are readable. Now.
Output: **10:03**
